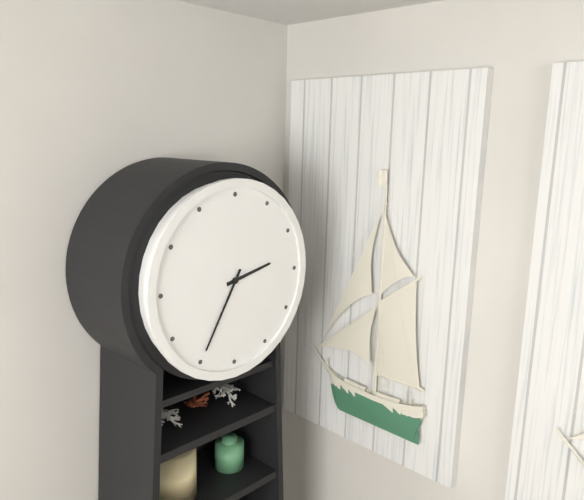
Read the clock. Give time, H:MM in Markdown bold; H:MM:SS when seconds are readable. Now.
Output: **2:35**
